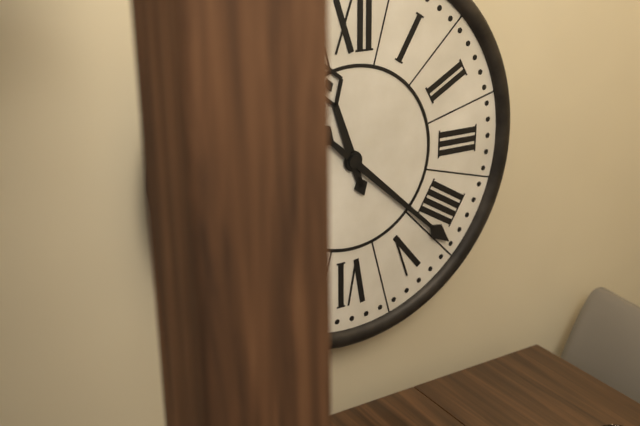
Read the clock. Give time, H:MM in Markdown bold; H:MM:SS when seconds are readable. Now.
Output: **11:22**
